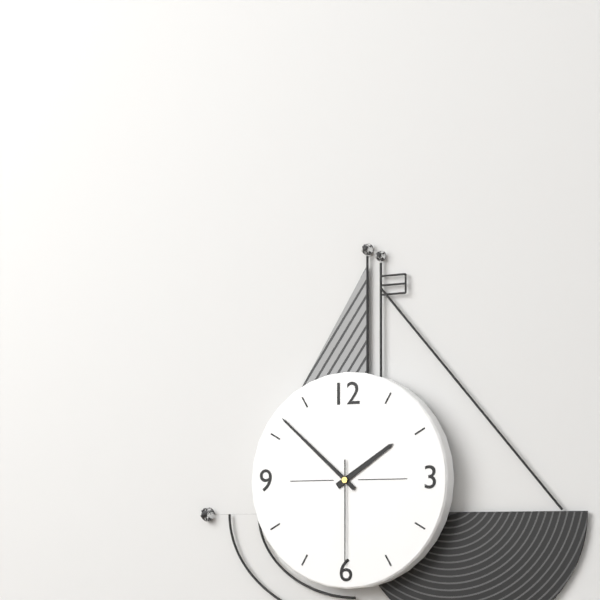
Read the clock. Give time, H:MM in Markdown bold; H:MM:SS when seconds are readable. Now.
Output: **1:52:30**
